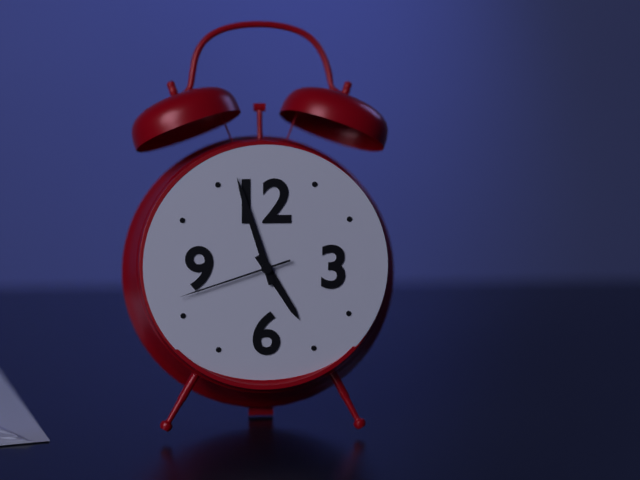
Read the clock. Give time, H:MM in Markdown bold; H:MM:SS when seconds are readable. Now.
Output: **4:57:42**
